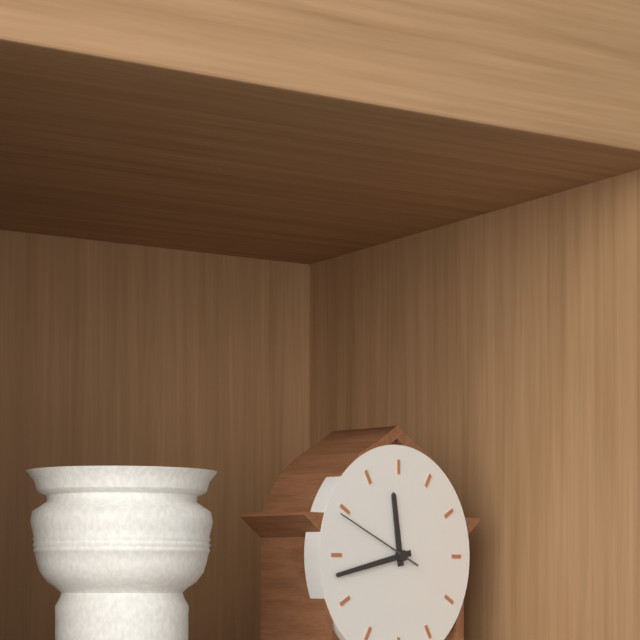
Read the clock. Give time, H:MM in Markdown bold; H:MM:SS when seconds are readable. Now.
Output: **11:43:49**
